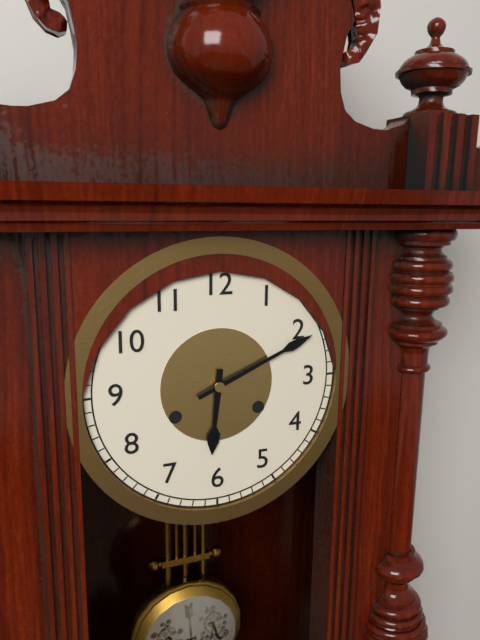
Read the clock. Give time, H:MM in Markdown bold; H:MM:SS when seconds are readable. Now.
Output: **6:11**
